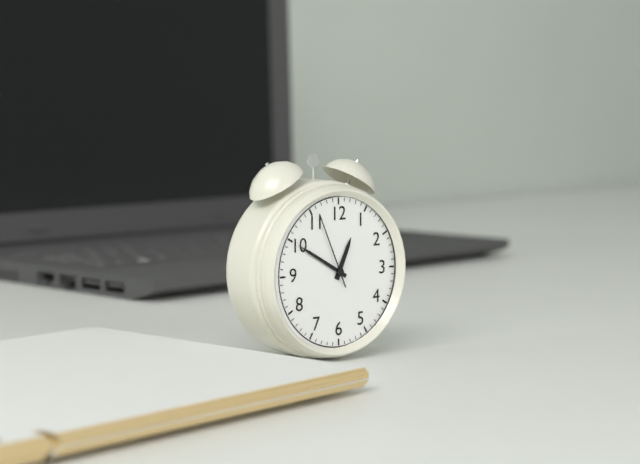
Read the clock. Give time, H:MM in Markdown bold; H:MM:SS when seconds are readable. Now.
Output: **12:50:56**
